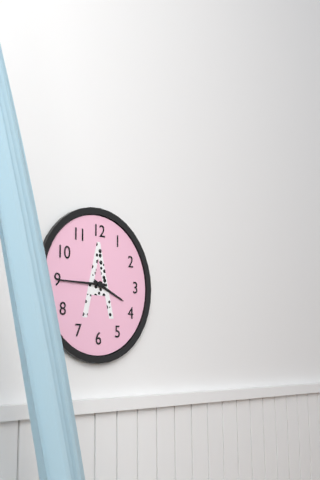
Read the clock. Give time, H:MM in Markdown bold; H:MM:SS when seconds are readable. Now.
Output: **3:45**
